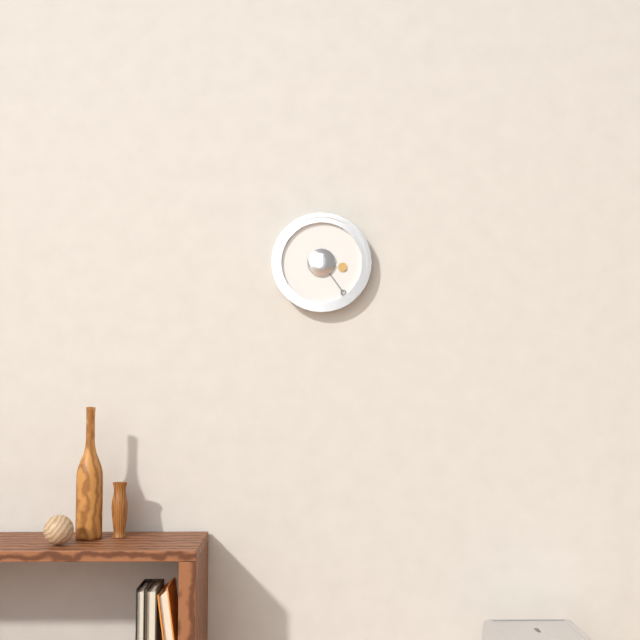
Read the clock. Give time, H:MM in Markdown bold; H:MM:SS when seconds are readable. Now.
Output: **3:24**
